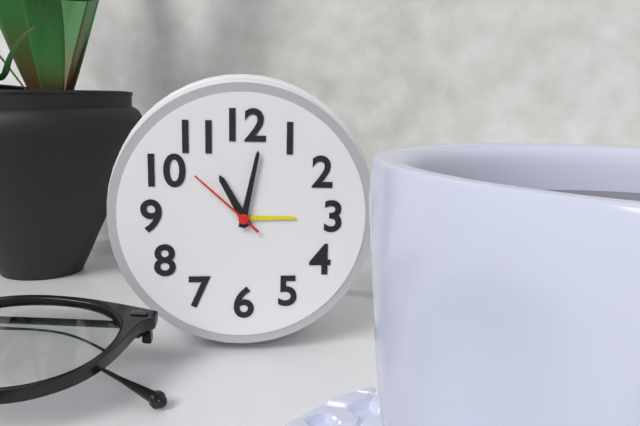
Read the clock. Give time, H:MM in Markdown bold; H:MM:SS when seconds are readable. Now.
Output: **11:02:52**
